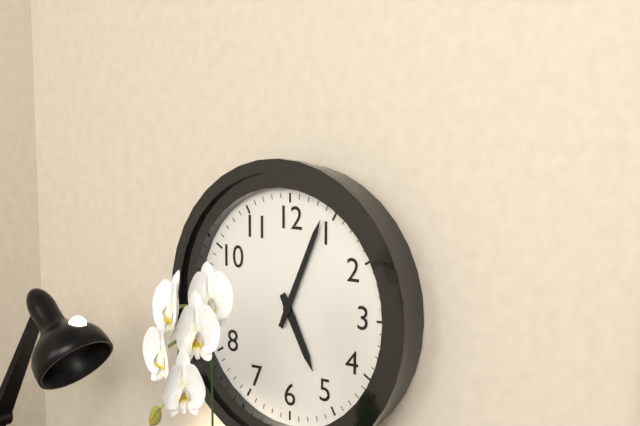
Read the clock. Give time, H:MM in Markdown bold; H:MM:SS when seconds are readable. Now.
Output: **5:04**
